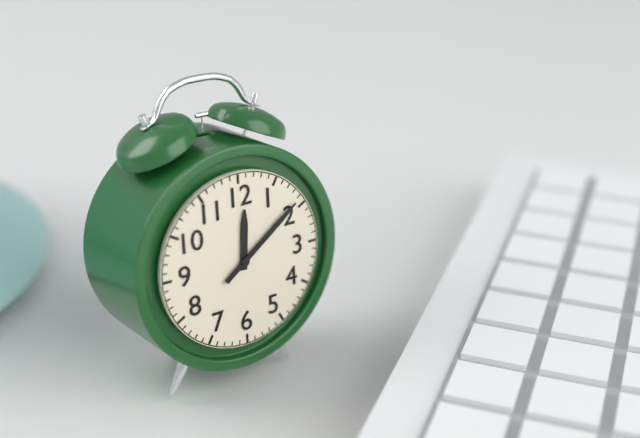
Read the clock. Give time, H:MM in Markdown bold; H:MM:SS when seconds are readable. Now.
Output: **12:09**
